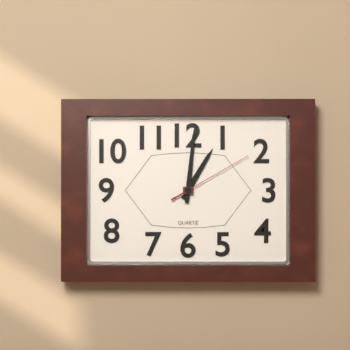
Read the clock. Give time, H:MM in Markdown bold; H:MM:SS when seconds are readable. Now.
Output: **1:01:10**
